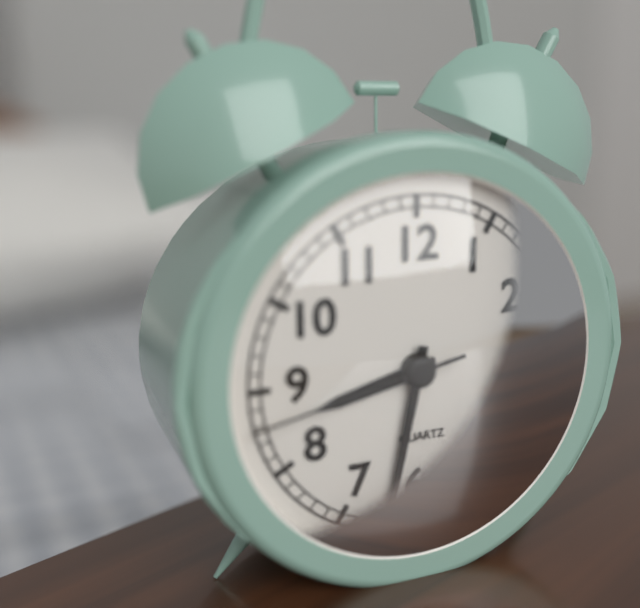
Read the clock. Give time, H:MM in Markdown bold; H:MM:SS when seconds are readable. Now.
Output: **8:32:43**
